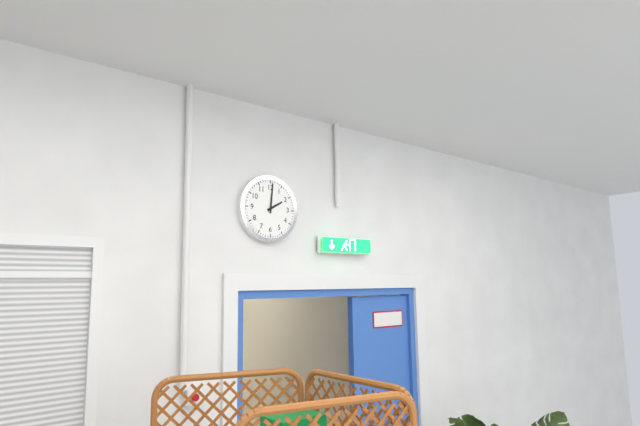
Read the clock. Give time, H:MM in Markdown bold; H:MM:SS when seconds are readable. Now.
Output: **2:01**
